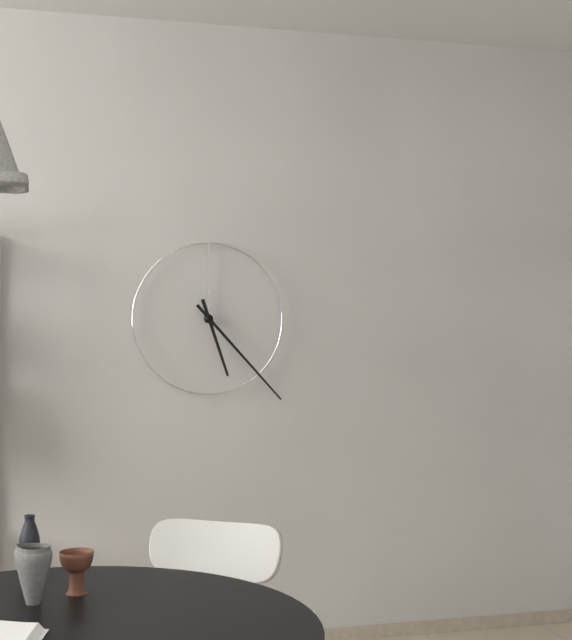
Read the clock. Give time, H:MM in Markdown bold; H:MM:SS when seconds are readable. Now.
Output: **5:23**
